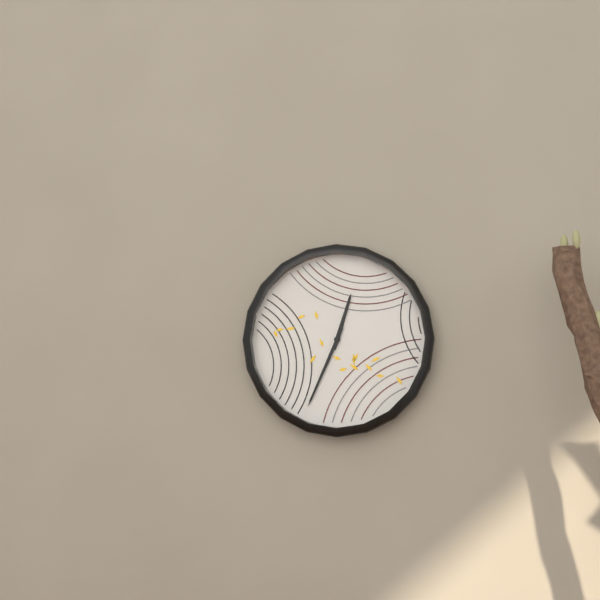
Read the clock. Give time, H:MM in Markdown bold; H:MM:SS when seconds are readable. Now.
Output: **12:34**
